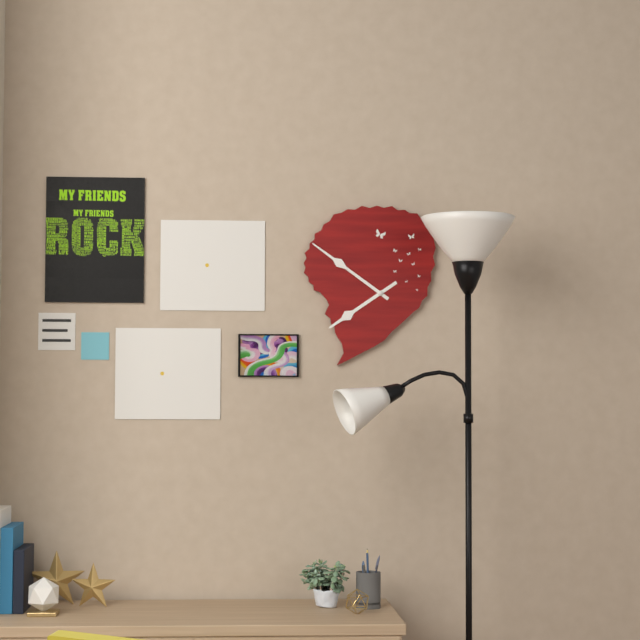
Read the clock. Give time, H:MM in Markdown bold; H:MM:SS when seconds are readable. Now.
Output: **7:51**
